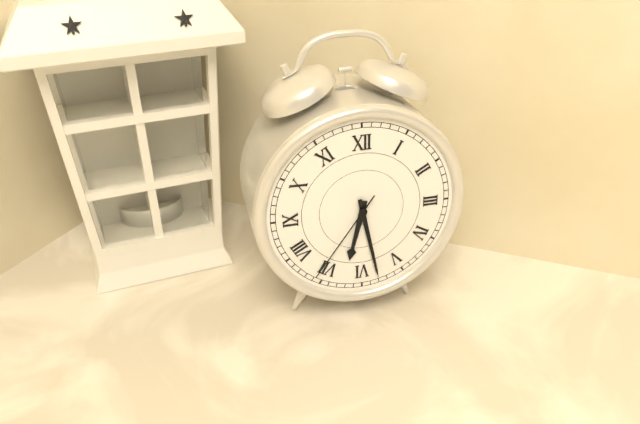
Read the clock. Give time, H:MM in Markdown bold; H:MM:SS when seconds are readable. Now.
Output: **6:28:36**
